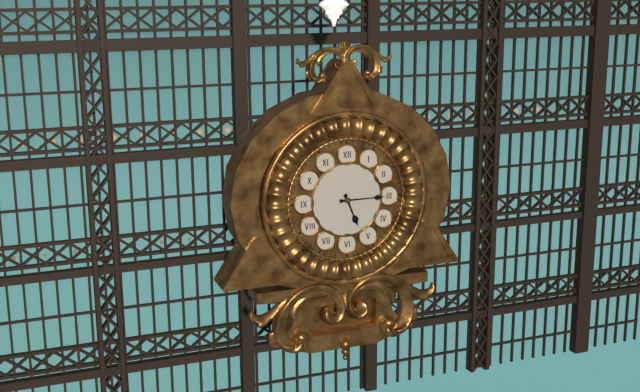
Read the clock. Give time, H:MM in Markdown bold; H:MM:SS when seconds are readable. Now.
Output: **5:15**
